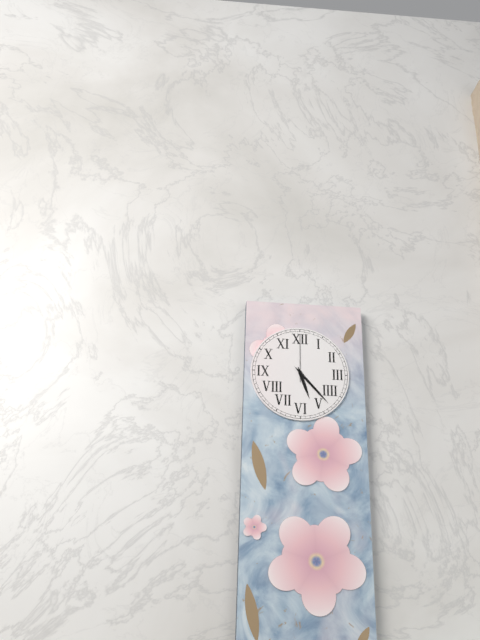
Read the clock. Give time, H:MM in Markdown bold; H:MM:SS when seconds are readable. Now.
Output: **5:23**
